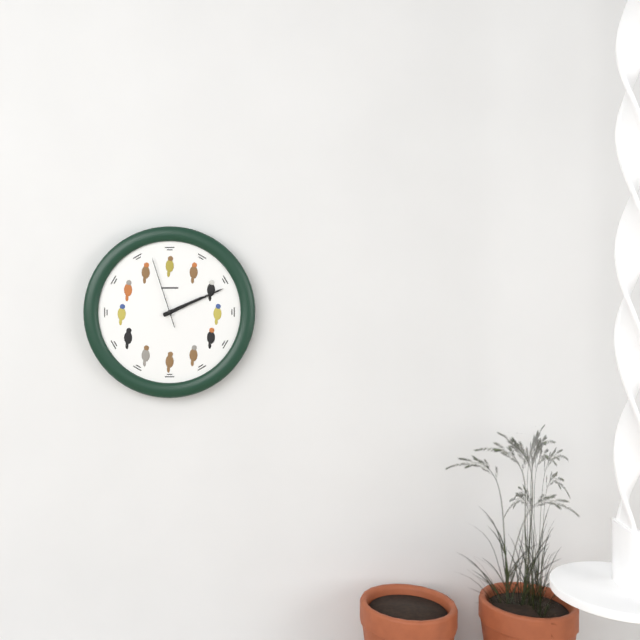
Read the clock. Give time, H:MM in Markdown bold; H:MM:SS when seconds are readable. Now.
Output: **2:11:57**
